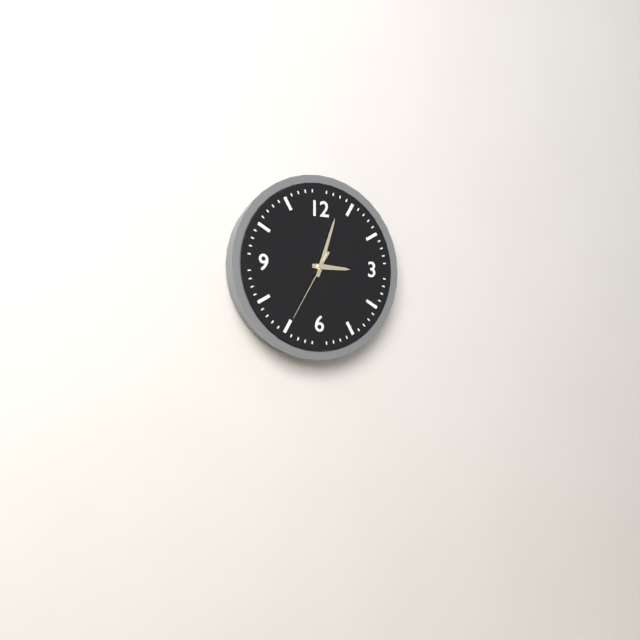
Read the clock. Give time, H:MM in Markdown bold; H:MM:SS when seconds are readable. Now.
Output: **3:03:35**
